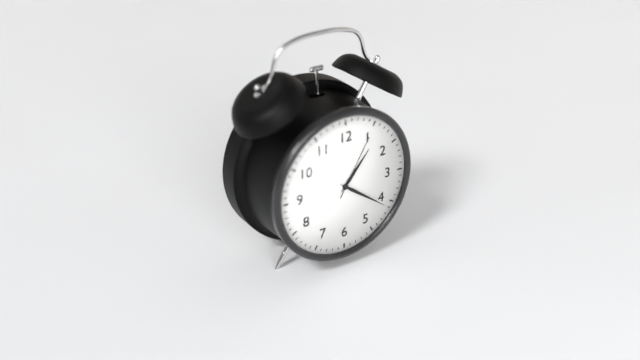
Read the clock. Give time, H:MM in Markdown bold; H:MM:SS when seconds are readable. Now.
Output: **1:21:05**
